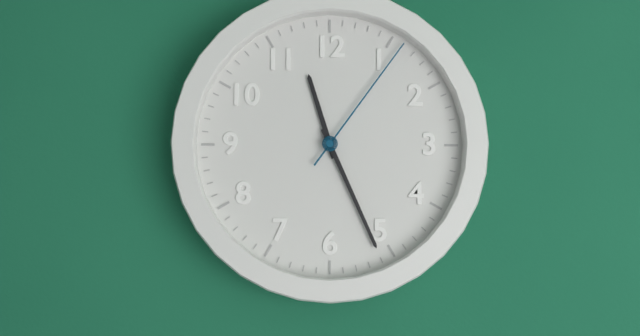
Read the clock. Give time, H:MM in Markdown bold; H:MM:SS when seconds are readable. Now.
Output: **11:26:06**
